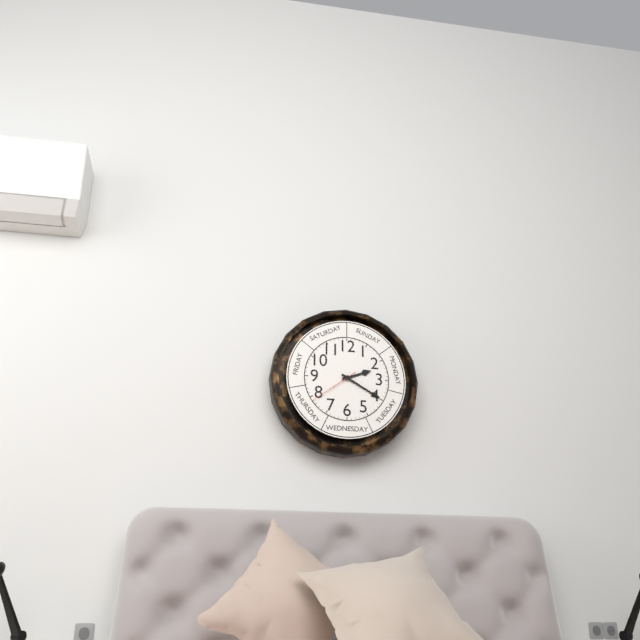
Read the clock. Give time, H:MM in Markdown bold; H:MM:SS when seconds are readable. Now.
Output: **2:20:39**
